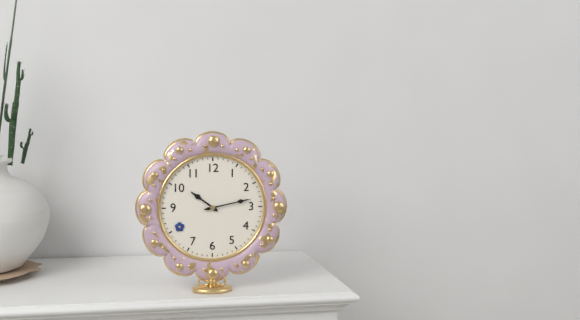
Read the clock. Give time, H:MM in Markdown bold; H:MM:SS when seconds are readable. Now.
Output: **10:13**
